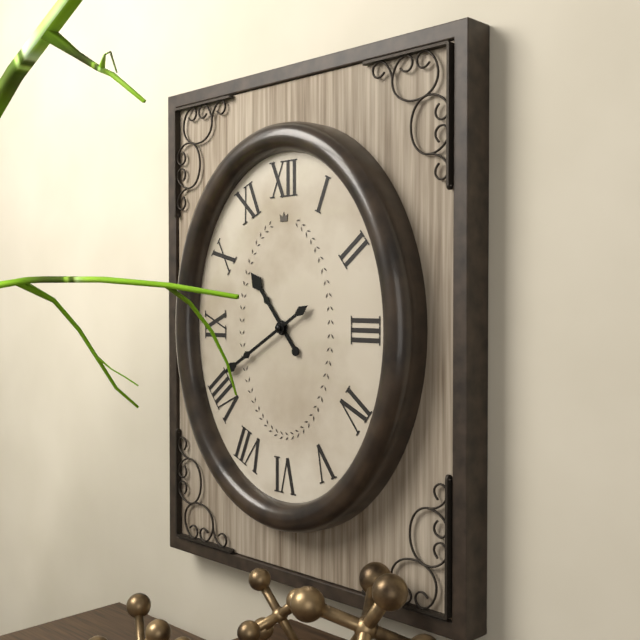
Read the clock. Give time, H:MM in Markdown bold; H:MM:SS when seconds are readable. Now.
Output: **10:40**
